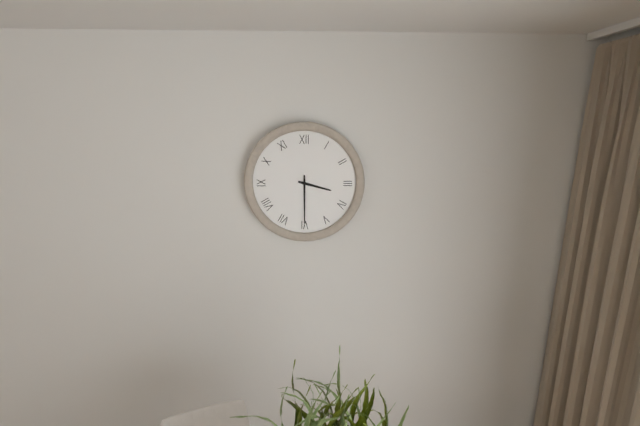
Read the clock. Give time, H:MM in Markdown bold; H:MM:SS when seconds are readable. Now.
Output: **3:30**
